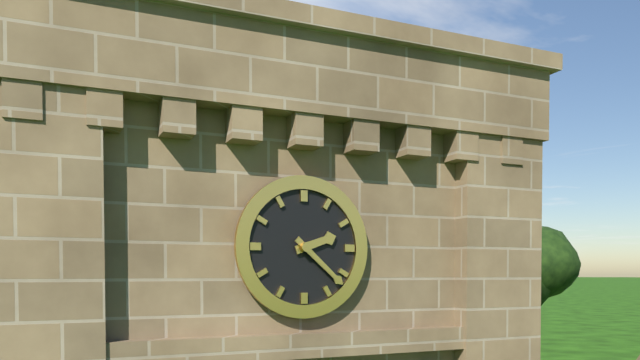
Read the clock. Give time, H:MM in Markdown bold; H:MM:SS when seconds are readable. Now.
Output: **2:22**
